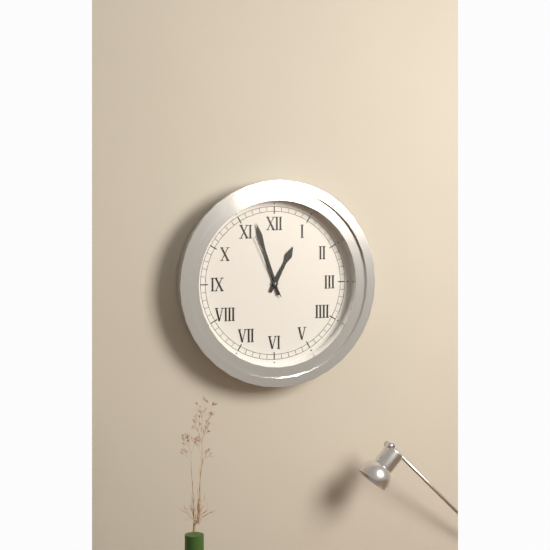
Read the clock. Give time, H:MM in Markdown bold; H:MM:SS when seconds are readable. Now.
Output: **12:57:56**
